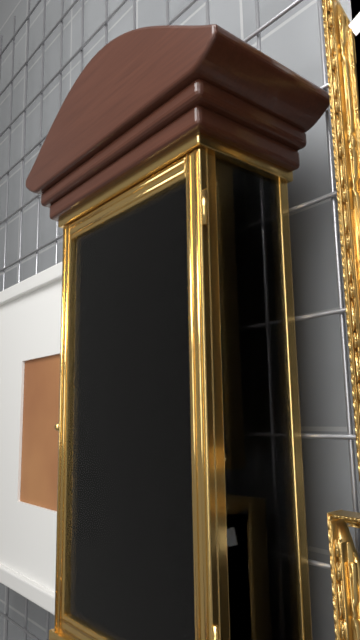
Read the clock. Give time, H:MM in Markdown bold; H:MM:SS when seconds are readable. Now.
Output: **8:02**
